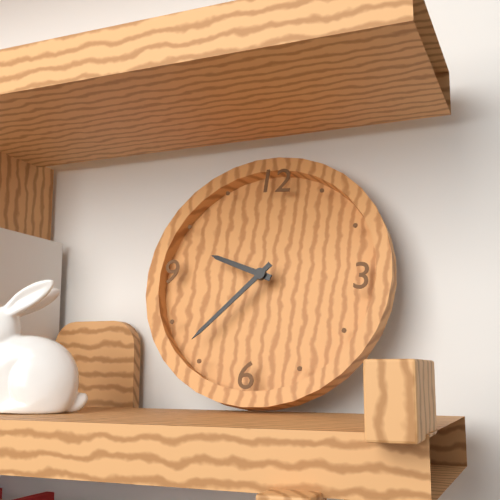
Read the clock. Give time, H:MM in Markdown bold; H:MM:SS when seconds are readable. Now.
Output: **9:37**
